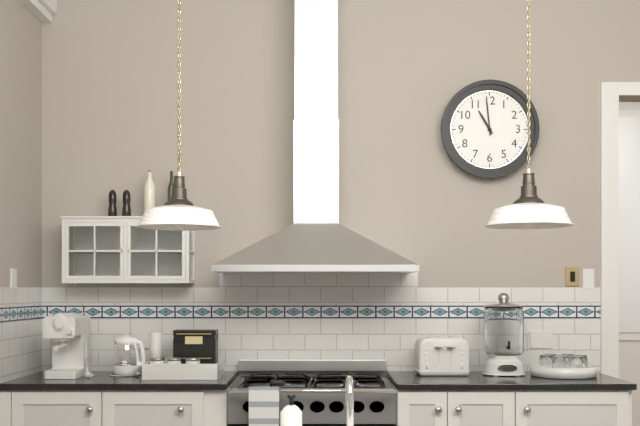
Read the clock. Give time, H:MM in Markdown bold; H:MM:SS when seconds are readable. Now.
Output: **10:59**
